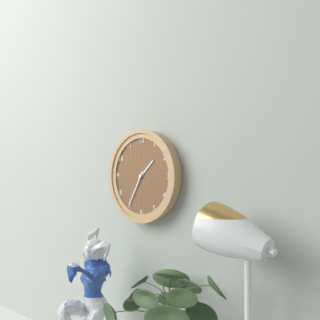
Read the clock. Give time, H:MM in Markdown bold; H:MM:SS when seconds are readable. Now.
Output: **1:35**
